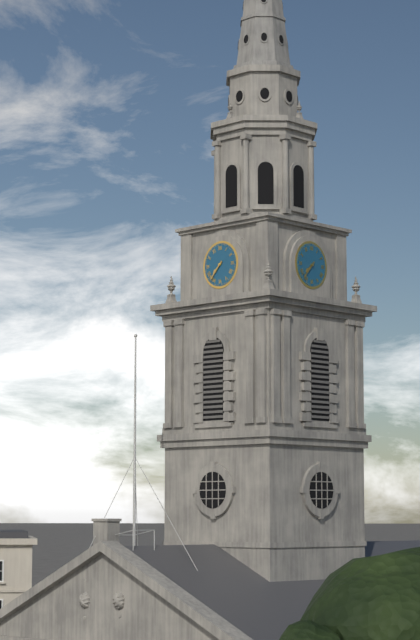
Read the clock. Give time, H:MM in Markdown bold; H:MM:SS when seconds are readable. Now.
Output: **7:37**
